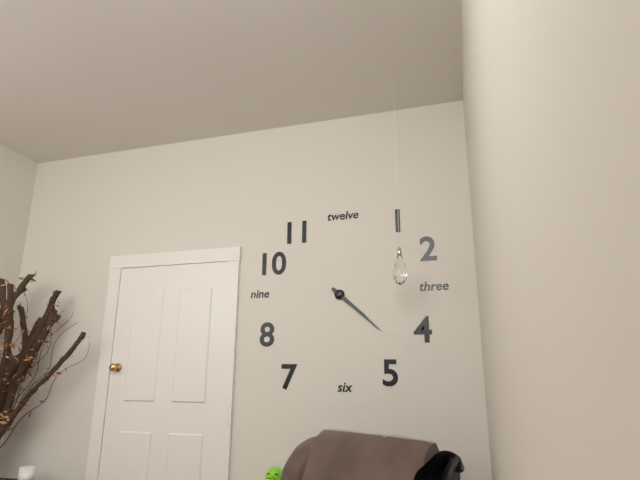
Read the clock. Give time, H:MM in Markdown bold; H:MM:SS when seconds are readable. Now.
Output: **4:22**
